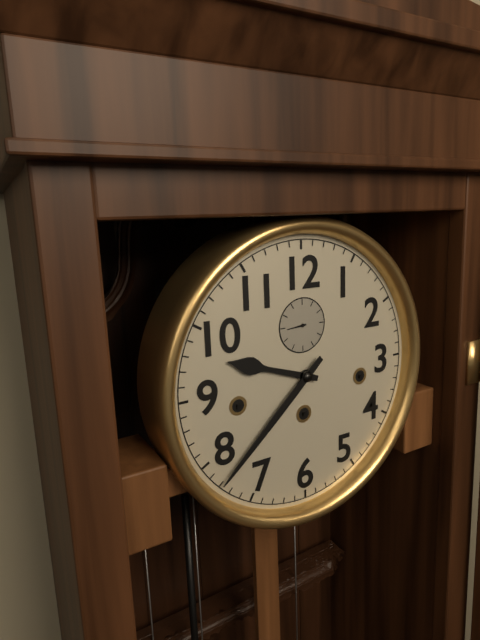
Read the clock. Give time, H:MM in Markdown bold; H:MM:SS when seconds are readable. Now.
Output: **9:38**
